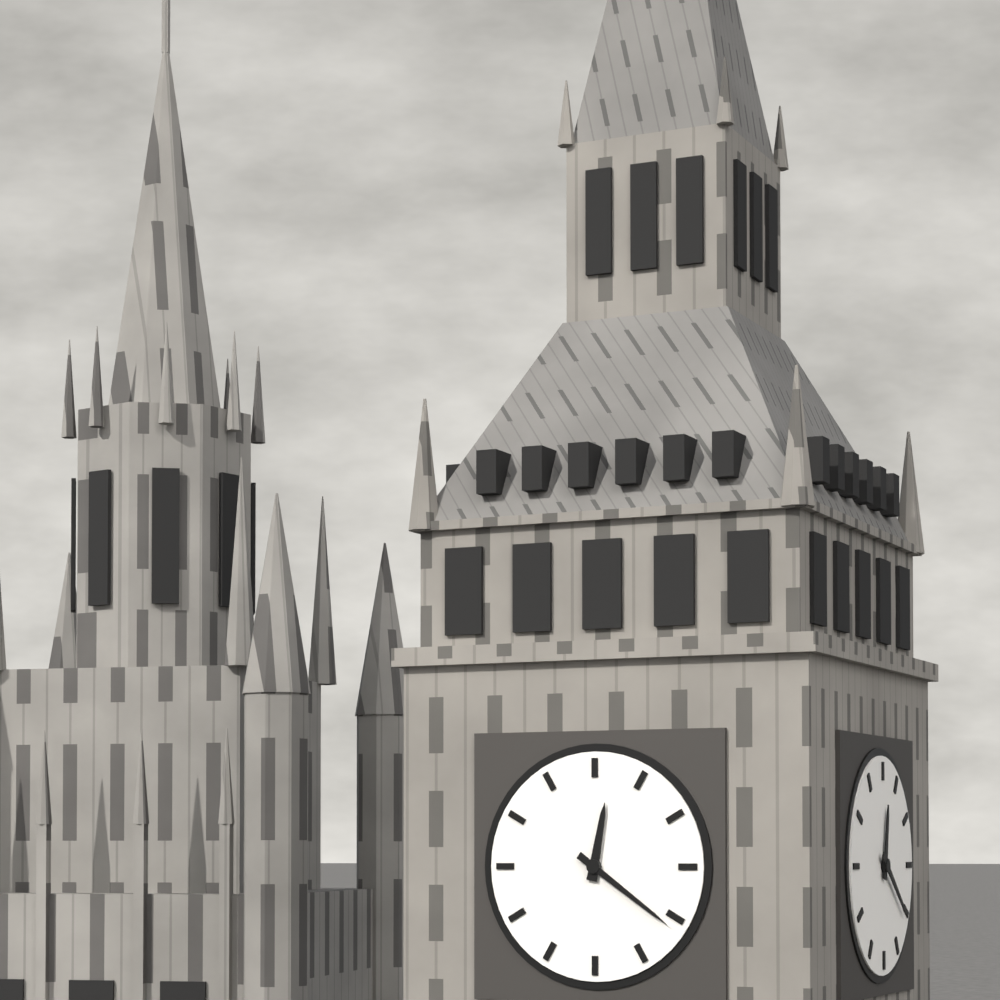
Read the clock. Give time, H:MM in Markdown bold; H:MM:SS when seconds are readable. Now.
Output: **12:21**
